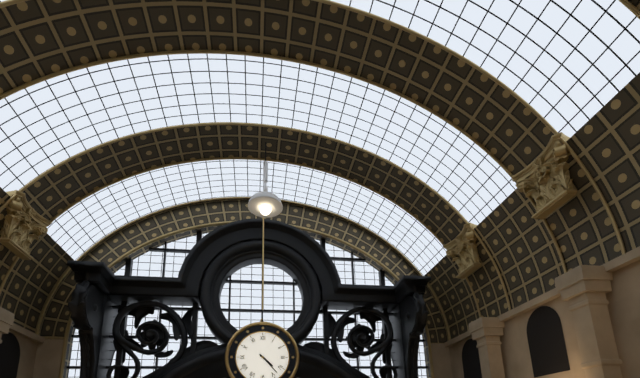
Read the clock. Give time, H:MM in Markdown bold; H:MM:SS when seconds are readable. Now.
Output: **4:23**
